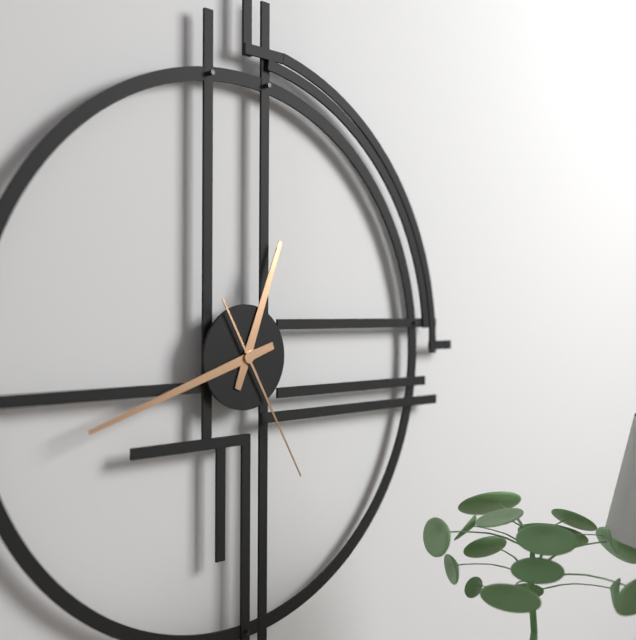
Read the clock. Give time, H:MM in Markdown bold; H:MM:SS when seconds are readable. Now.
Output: **12:42:25**
